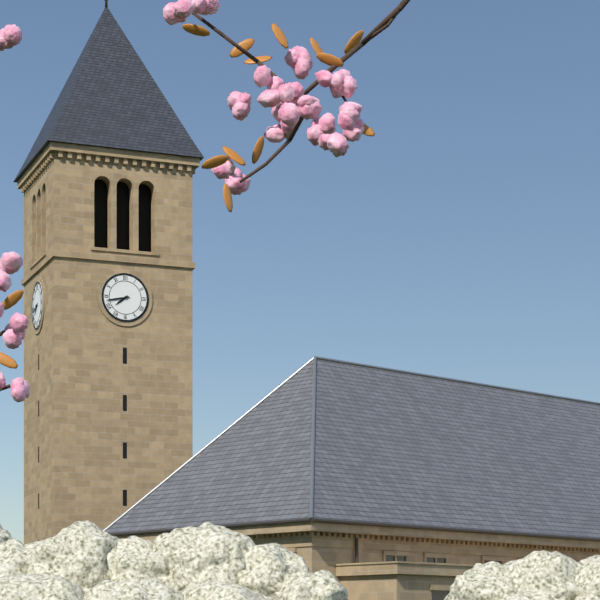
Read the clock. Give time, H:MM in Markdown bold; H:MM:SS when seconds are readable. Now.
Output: **7:43**
